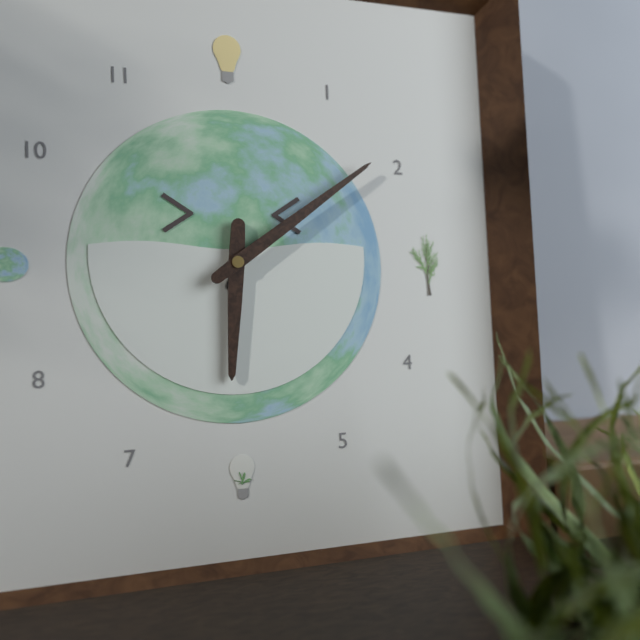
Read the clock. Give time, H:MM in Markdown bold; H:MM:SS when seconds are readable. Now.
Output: **6:09**
